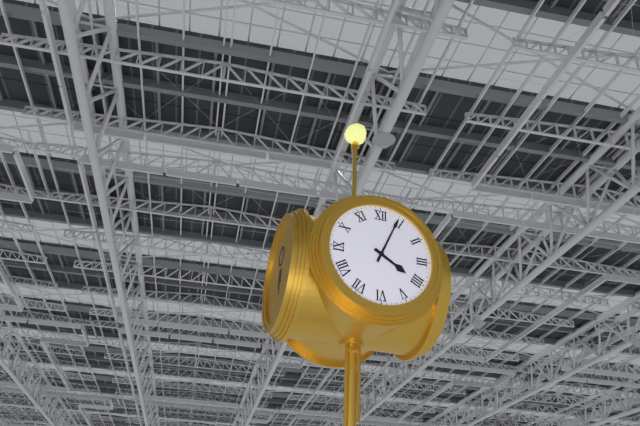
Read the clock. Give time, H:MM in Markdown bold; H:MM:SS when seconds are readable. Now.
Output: **4:04**
